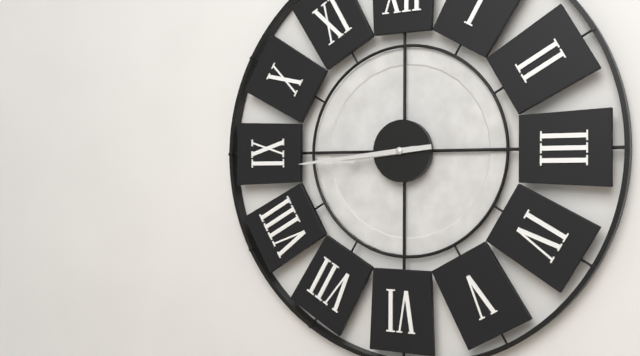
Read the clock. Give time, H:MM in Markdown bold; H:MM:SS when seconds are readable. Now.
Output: **8:44**
